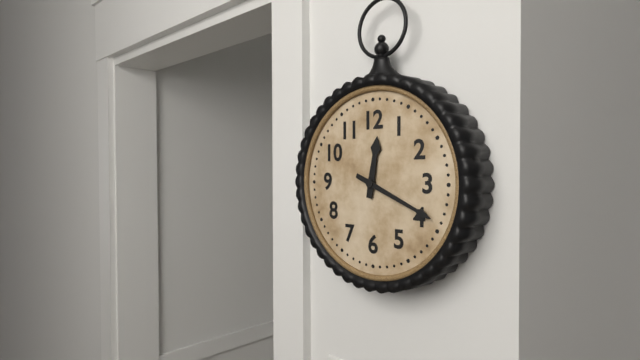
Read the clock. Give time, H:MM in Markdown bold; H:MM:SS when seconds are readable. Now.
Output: **12:19**
